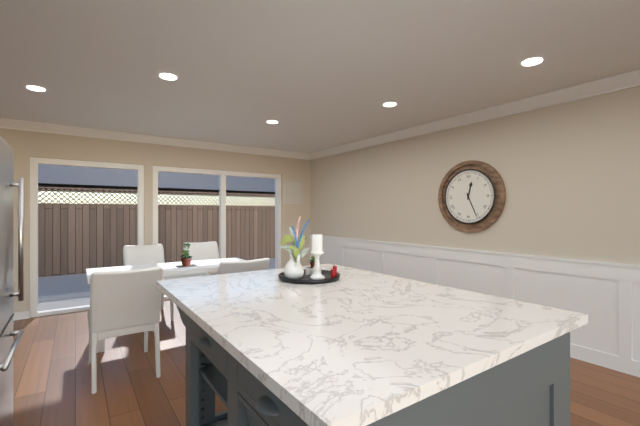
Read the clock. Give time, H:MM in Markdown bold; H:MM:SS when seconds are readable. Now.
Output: **12:26**
